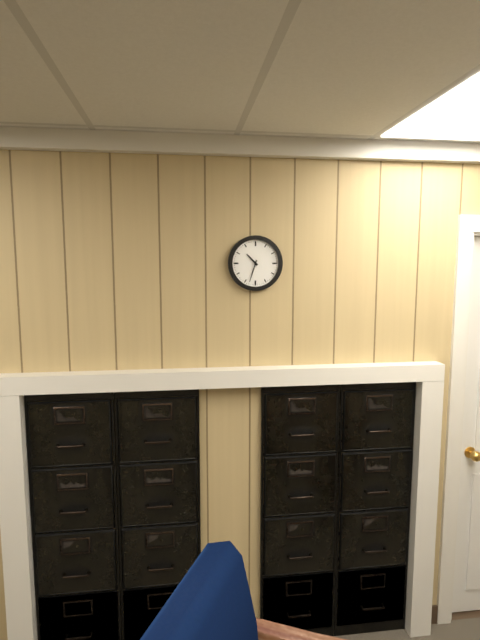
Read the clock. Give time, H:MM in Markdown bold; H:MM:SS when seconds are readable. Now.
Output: **10:33**
